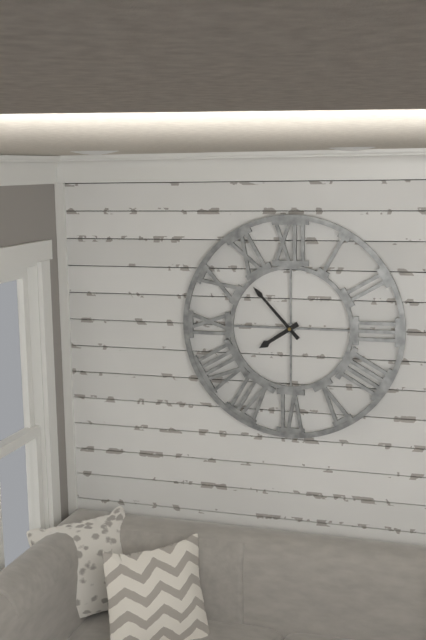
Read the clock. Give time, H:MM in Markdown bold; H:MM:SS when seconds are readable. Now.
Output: **7:53**
